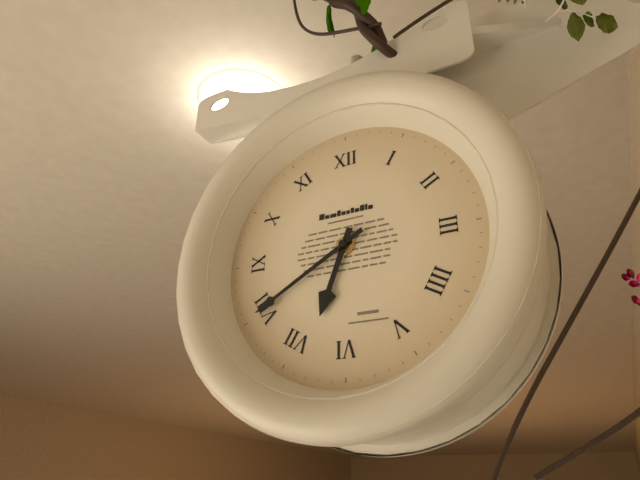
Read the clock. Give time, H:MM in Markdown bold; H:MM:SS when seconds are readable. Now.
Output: **6:40**
